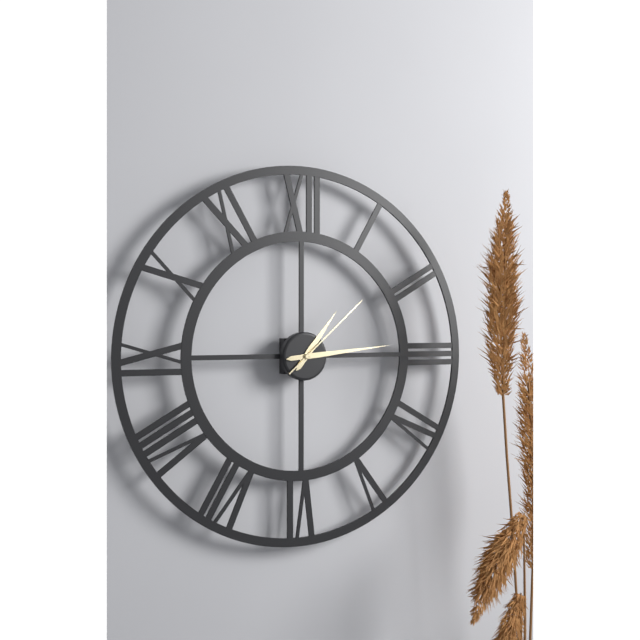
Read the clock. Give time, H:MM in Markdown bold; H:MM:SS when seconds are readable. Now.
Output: **1:14:08**
